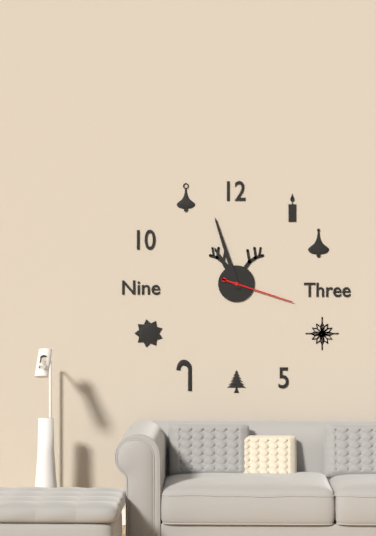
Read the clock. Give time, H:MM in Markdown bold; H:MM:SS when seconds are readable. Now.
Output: **10:57:18**
